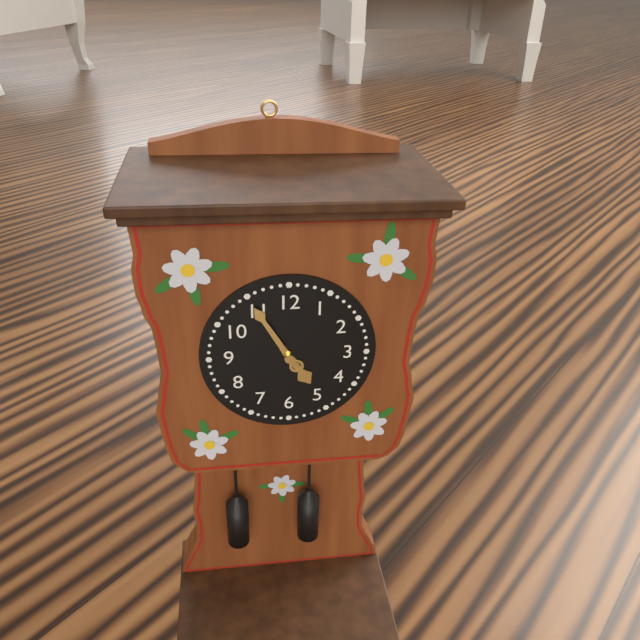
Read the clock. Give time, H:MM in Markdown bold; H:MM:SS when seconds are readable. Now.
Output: **4:55**
